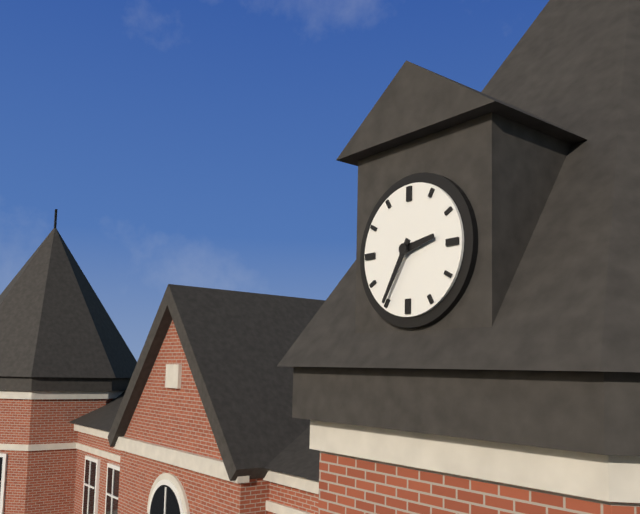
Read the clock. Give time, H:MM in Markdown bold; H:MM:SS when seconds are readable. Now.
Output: **2:35**
